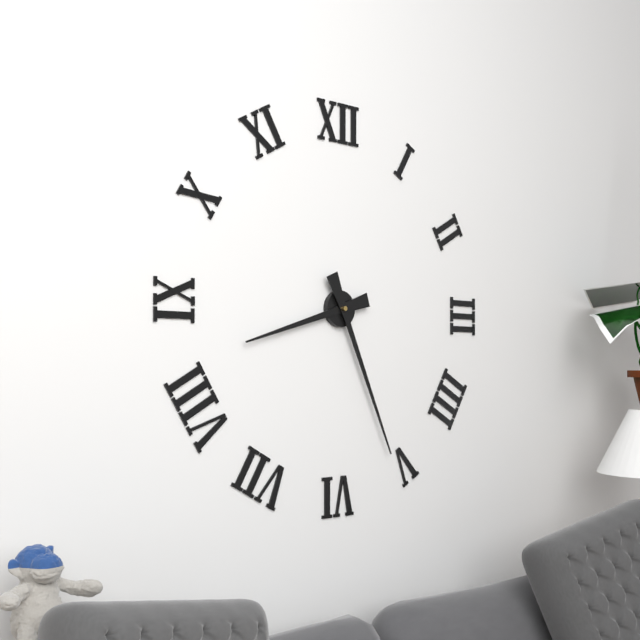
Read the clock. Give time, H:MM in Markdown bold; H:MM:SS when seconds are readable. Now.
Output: **8:26**
